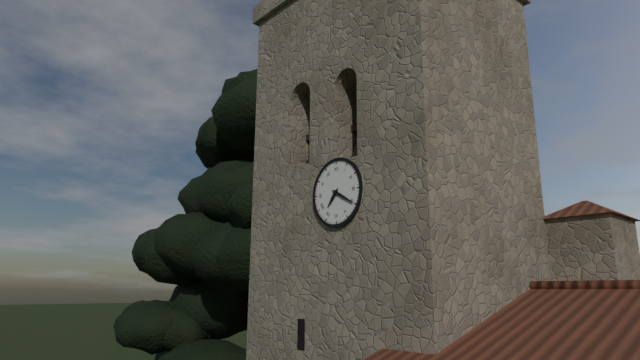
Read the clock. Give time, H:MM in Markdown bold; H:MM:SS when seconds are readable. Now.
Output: **7:20**
